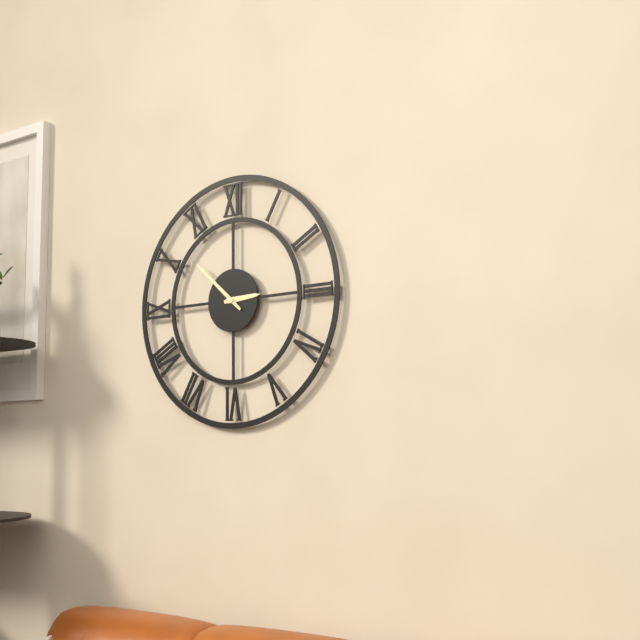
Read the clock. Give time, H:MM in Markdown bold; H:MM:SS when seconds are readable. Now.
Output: **2:52**
